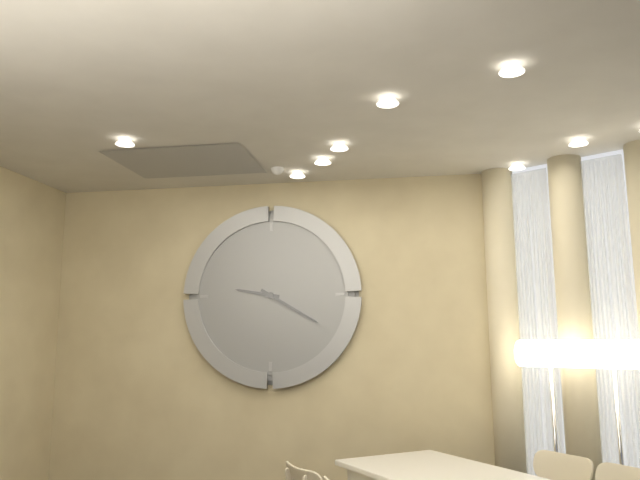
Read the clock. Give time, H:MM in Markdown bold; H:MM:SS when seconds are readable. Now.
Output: **9:20**
